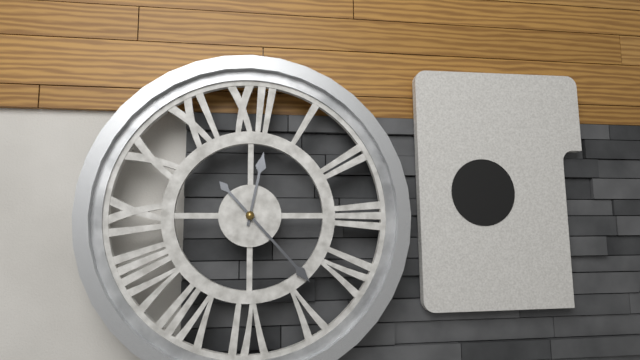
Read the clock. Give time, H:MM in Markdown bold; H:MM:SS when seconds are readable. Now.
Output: **12:23**
